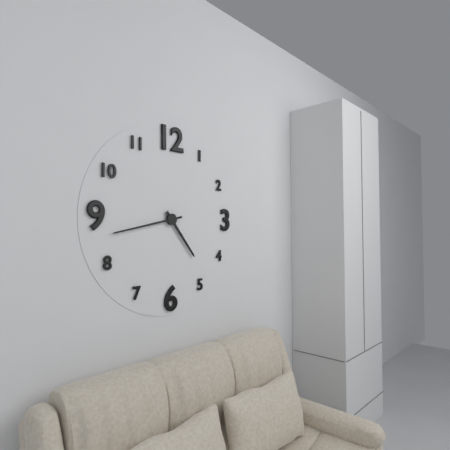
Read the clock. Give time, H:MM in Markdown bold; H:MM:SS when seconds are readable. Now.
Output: **4:43**
